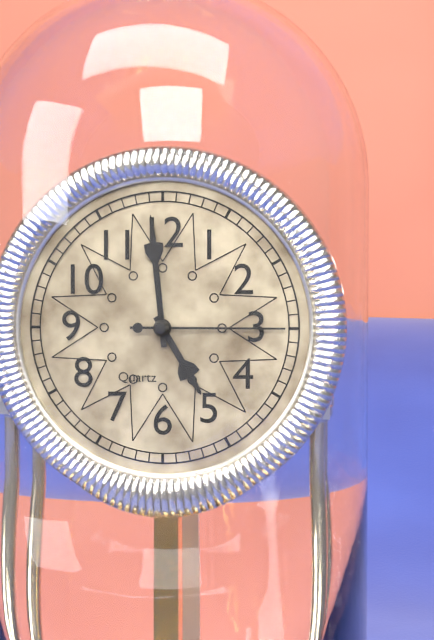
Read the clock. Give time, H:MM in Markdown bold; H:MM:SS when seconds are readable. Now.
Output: **4:59:15**
